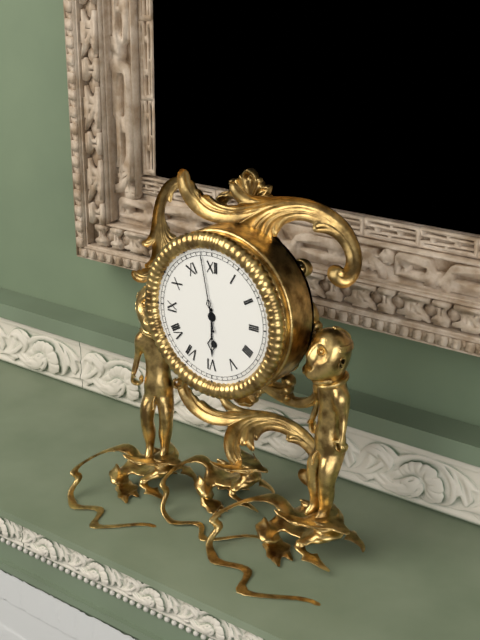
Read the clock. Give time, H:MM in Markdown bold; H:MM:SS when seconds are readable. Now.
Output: **5:58**
